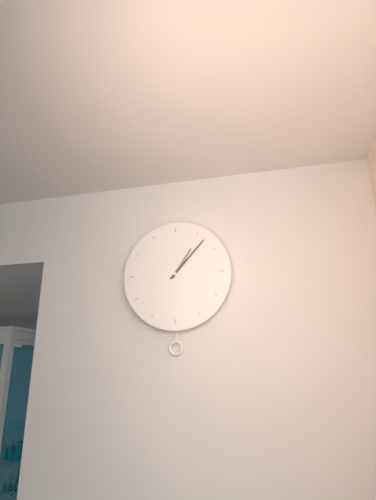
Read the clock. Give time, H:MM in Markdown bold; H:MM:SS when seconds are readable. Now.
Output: **1:07**
